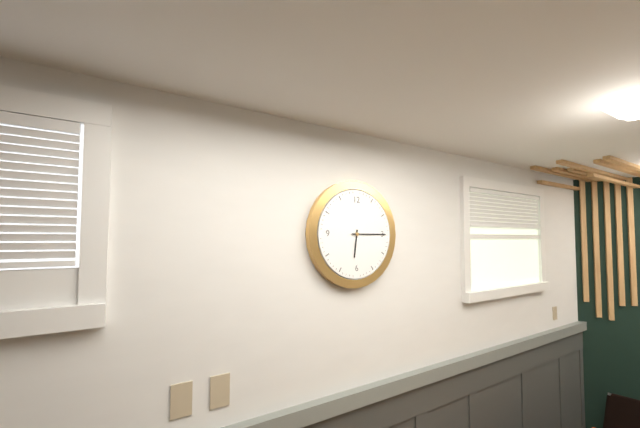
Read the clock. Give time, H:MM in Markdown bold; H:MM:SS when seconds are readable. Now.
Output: **6:15**
